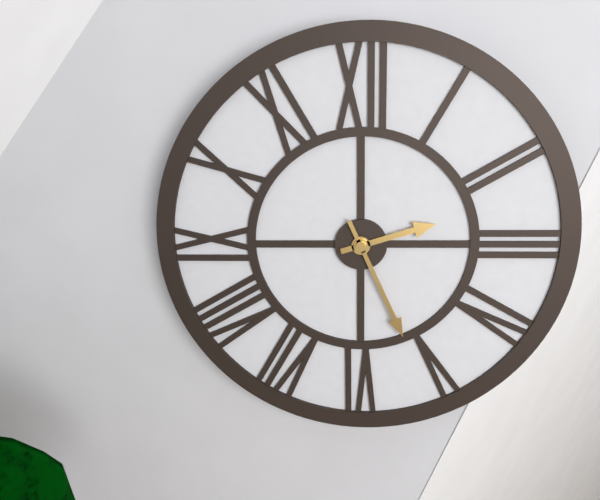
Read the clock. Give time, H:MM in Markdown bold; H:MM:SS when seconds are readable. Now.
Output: **2:26**
